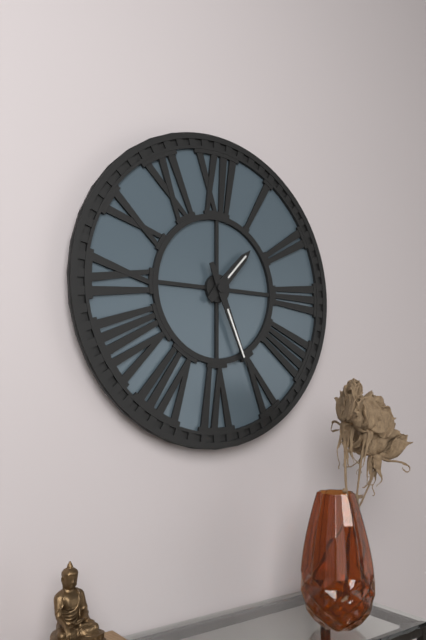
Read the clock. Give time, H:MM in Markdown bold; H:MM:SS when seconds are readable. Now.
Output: **1:26**
